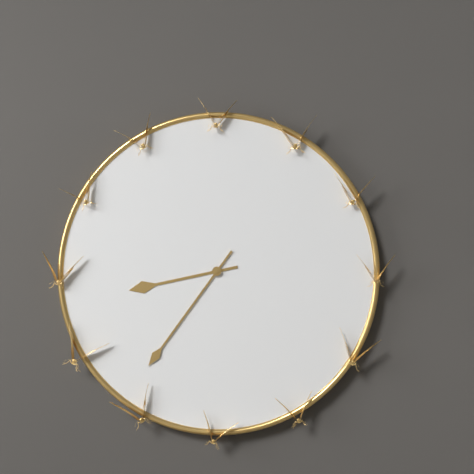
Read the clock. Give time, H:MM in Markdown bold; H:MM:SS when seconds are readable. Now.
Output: **8:36**
